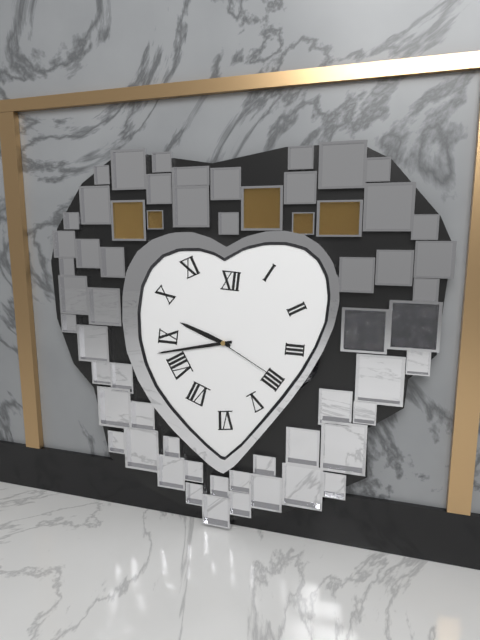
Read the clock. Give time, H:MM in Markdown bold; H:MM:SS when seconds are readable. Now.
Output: **9:43:20**
